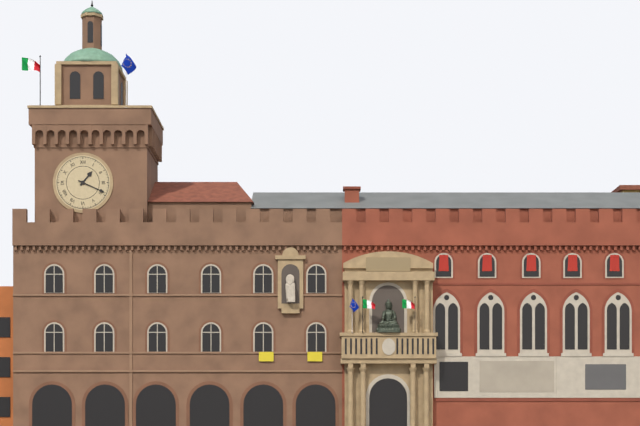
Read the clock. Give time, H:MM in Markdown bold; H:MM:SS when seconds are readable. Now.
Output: **1:19**
